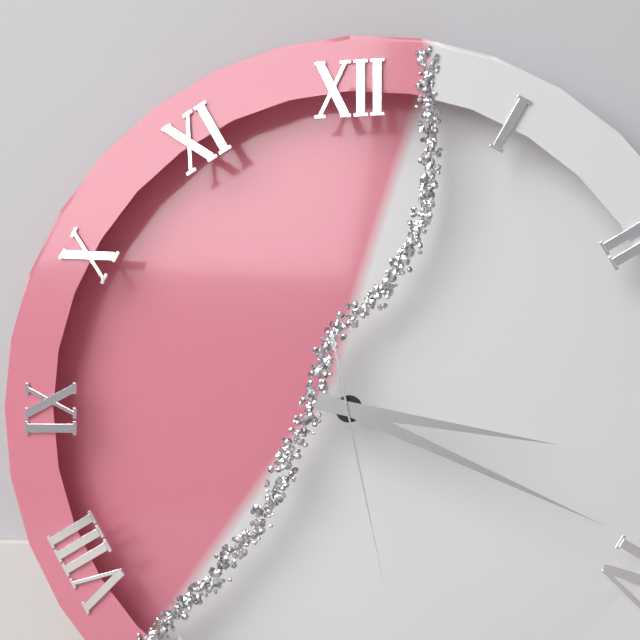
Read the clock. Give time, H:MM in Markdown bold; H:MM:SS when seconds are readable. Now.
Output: **3:19:28**
